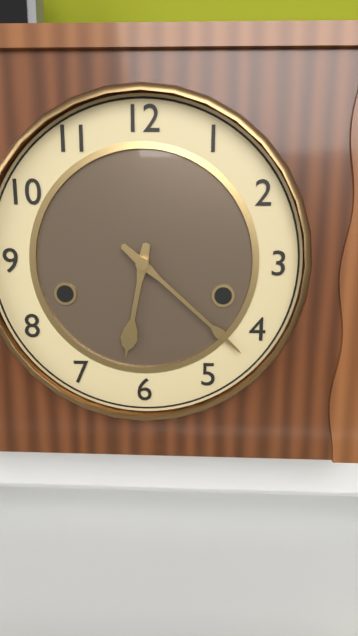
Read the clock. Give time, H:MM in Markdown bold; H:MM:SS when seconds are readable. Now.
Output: **6:22**
